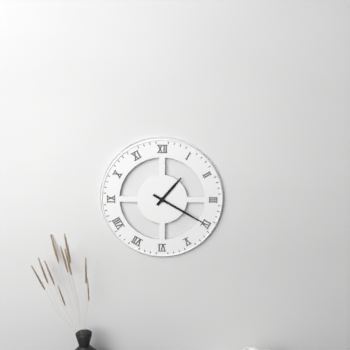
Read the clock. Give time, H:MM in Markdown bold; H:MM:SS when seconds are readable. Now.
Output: **1:20**
